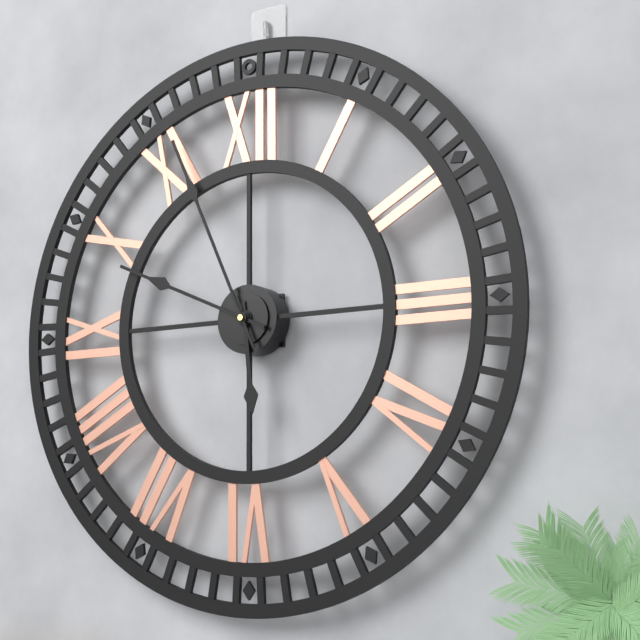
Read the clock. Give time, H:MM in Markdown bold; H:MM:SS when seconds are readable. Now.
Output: **5:49:56**
